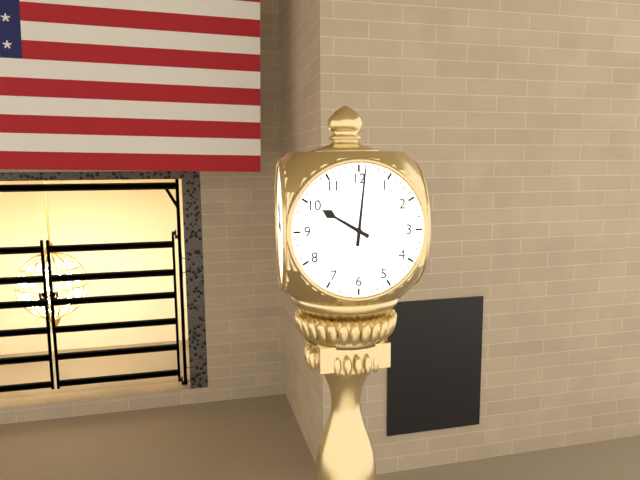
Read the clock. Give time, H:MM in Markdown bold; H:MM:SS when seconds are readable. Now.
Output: **10:01**
